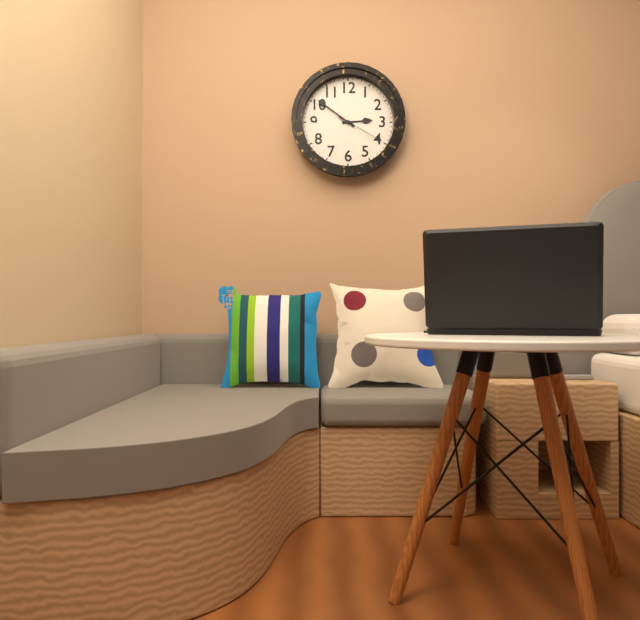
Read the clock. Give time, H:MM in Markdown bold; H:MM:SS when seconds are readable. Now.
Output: **2:51**
